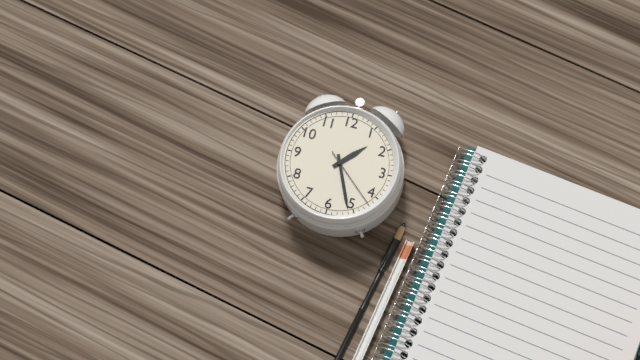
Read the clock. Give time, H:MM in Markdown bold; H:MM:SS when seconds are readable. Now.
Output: **1:26:22**
